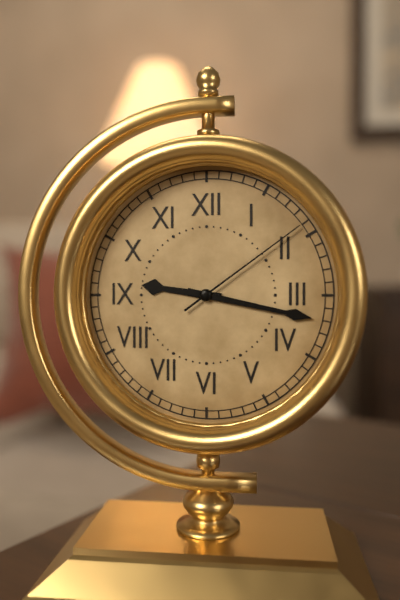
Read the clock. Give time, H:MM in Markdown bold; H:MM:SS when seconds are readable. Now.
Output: **9:17:09**
